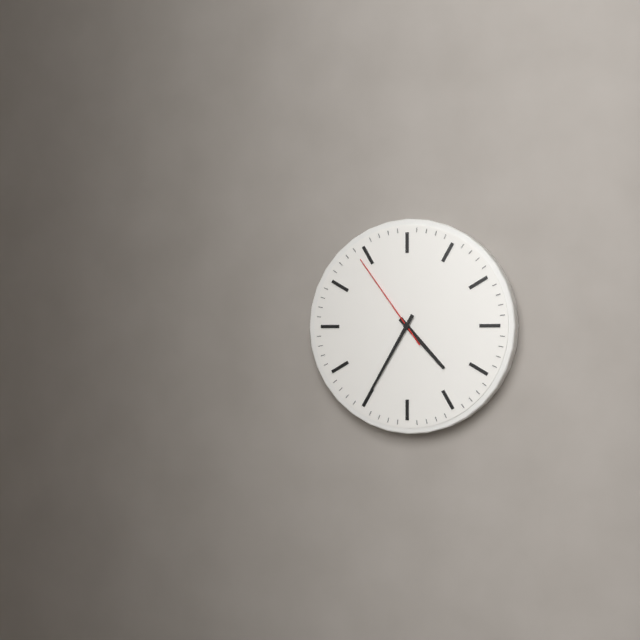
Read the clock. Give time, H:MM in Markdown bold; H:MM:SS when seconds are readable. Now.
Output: **4:35:54**
